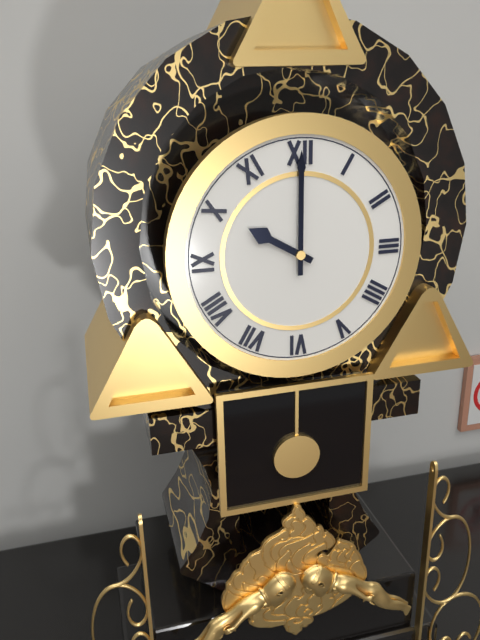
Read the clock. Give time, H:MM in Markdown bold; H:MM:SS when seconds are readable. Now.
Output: **10:00**
